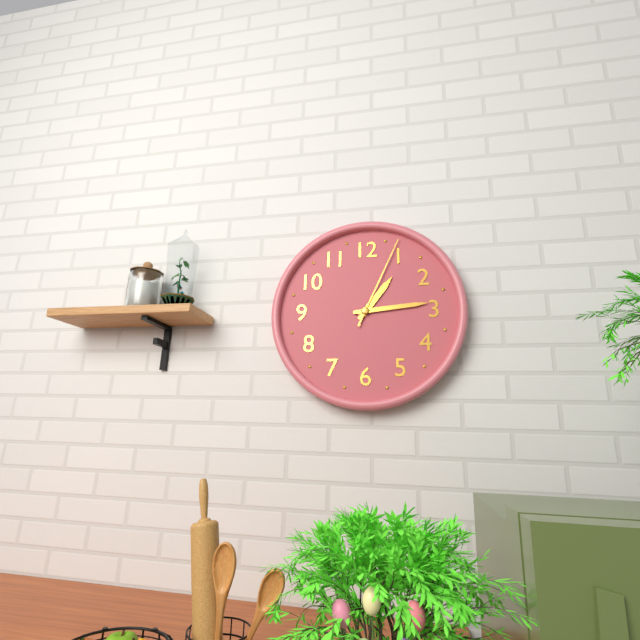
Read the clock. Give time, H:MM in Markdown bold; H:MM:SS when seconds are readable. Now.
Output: **1:14:04**
